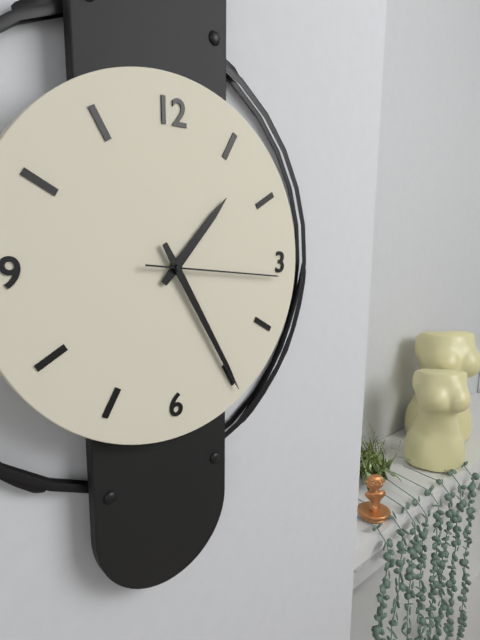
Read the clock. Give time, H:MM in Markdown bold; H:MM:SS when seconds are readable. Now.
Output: **1:25:16**
